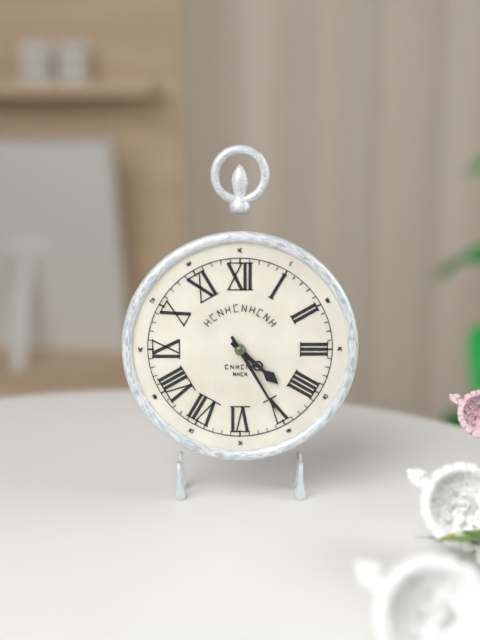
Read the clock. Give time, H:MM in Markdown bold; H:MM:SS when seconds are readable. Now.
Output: **4:25**
